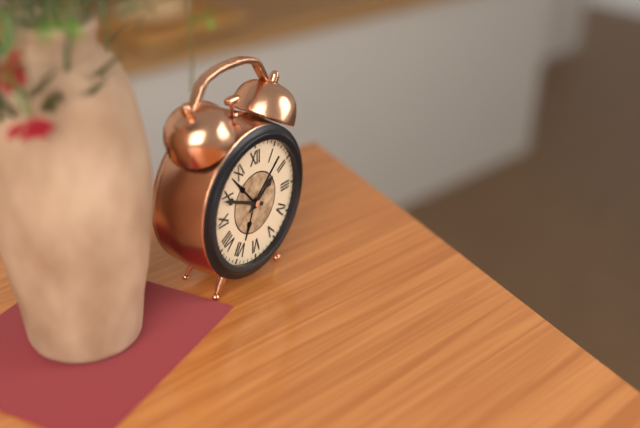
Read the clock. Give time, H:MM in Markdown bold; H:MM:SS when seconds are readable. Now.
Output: **1:49**
